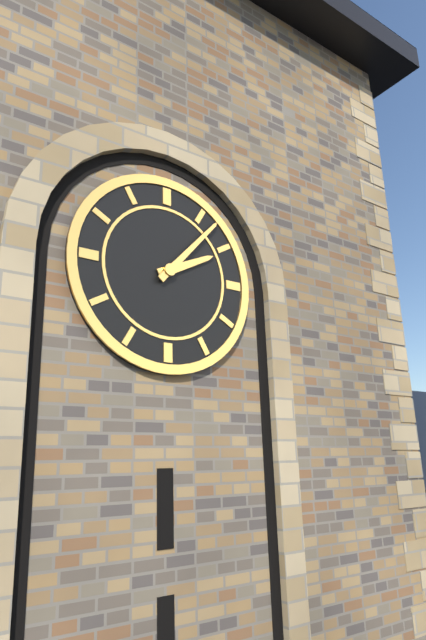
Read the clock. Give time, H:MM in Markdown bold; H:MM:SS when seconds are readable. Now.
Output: **2:07**
